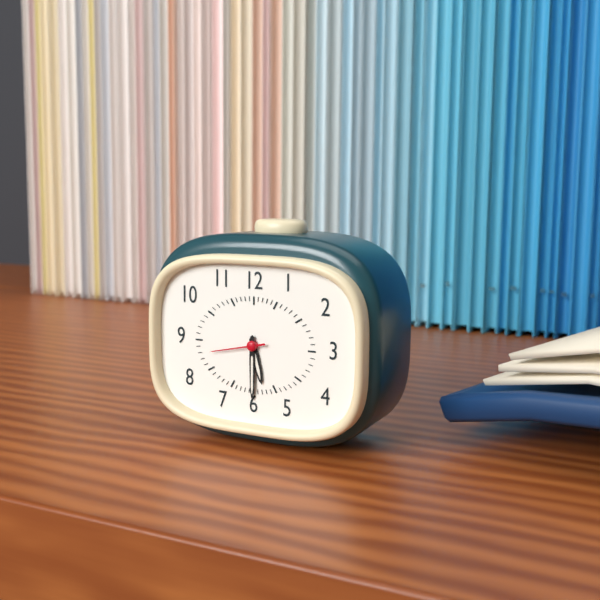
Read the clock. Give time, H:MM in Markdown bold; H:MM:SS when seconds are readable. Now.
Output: **5:30:43**
